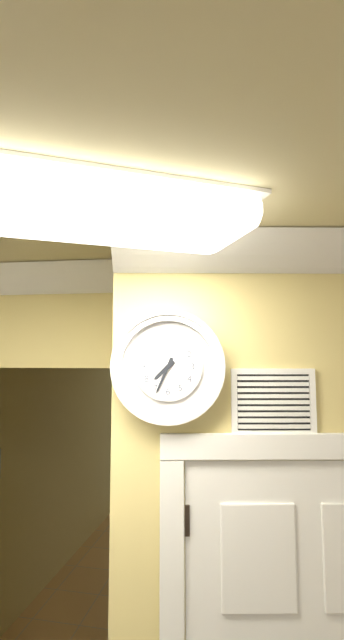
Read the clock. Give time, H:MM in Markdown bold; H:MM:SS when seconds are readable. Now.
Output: **7:34**
